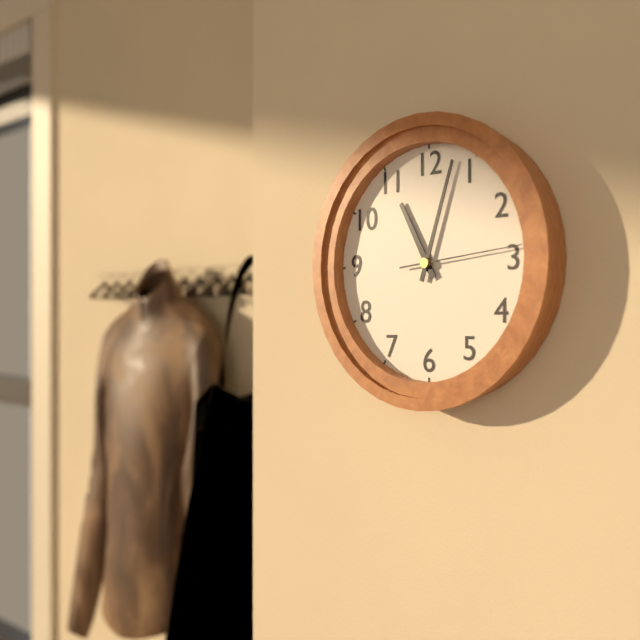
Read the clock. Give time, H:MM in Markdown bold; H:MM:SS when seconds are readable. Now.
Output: **11:03:14**
